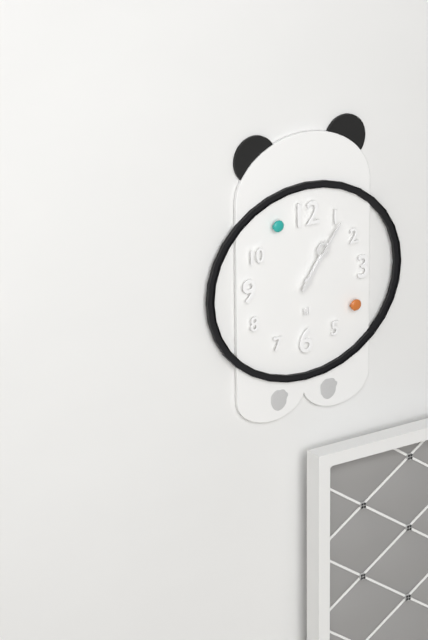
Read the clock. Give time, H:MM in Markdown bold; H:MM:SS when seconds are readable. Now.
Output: **1:06**
